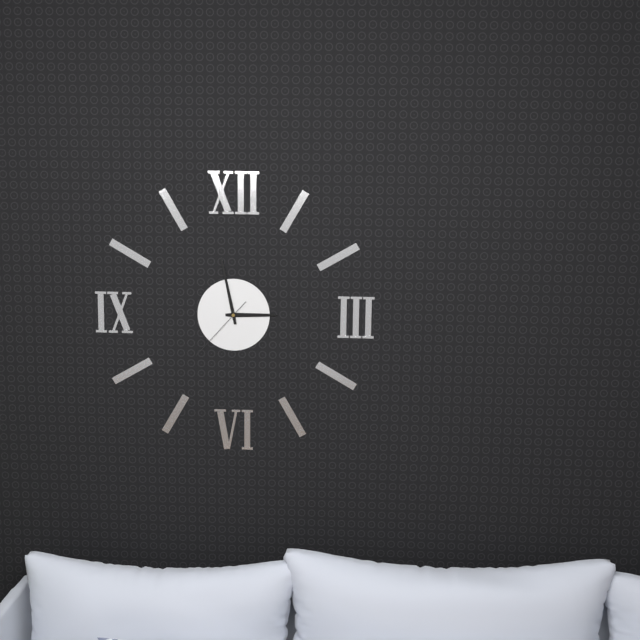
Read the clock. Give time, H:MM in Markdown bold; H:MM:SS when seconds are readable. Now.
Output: **2:58:37**
